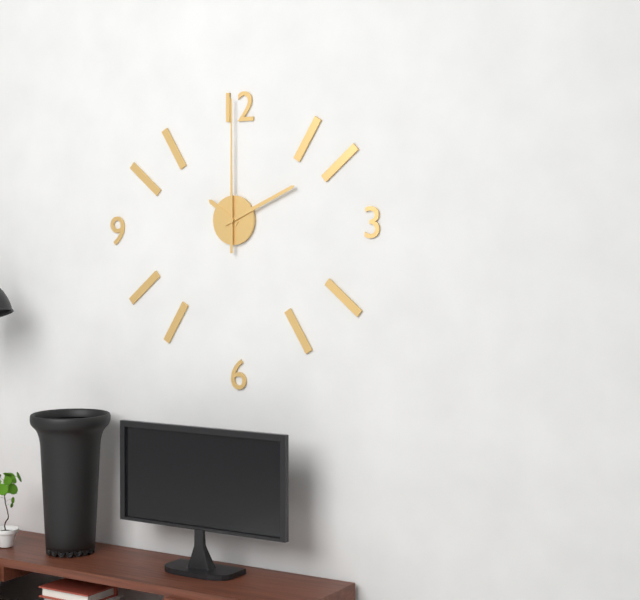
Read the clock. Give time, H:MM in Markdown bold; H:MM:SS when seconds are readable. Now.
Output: **10:11:00**
